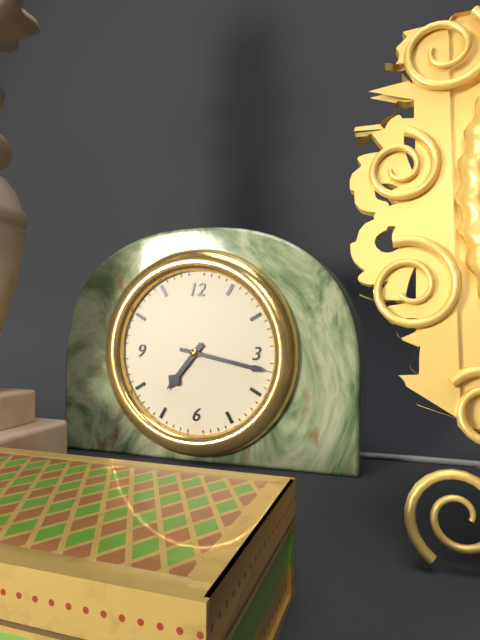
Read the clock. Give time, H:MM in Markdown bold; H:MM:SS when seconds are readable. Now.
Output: **7:17**
